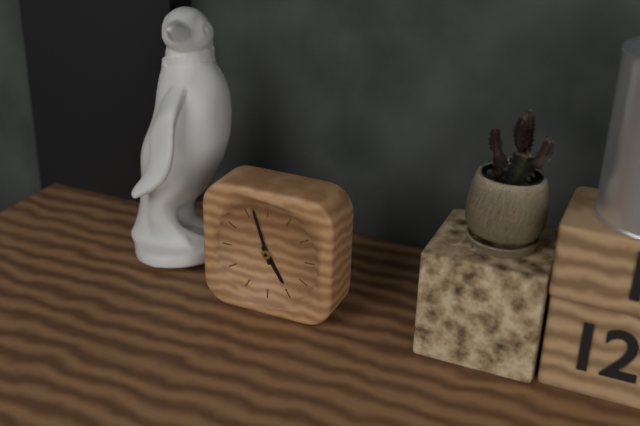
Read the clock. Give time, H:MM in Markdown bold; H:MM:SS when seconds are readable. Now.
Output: **4:57**
